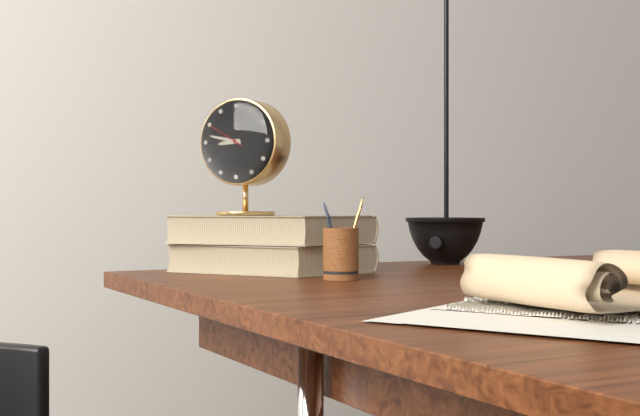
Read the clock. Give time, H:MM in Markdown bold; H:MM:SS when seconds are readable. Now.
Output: **8:47**
